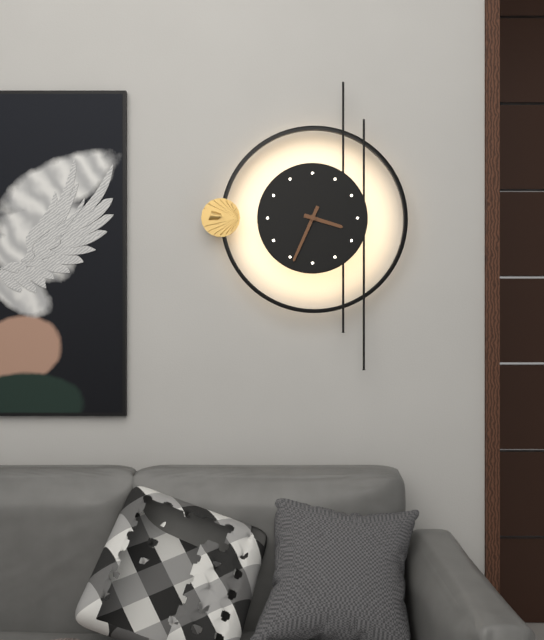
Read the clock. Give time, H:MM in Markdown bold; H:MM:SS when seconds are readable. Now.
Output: **3:34**
